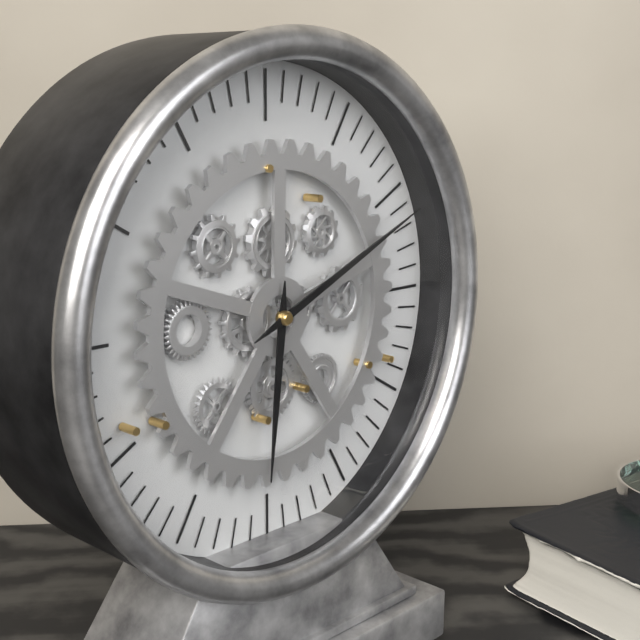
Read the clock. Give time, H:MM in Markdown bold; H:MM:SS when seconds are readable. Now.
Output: **6:11**
